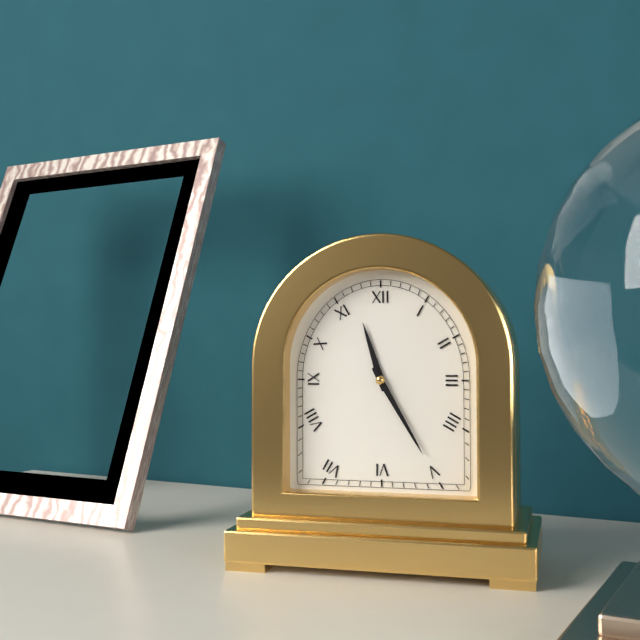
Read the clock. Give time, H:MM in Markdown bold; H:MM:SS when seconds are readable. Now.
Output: **11:25**
